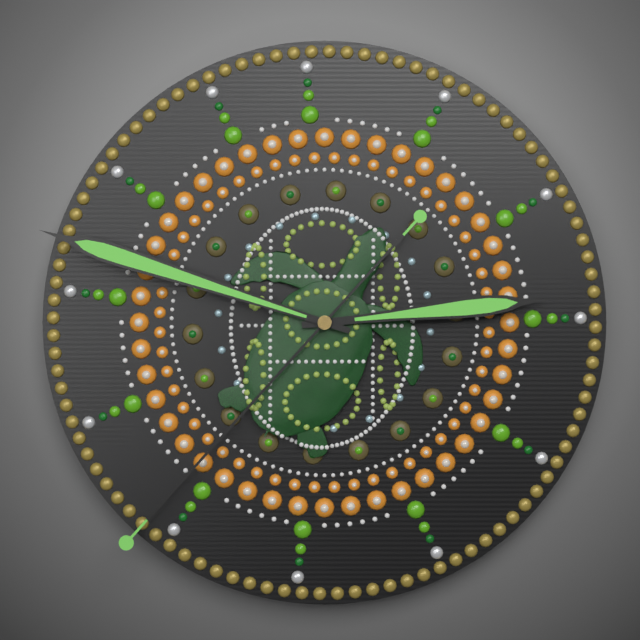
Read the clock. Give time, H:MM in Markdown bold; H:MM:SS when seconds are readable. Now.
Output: **2:48:37**
